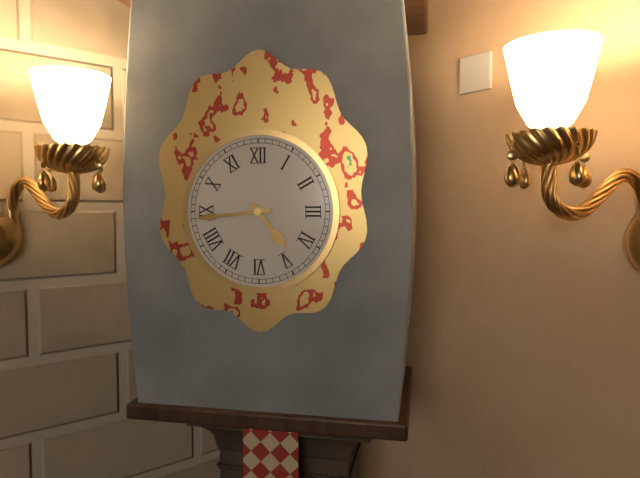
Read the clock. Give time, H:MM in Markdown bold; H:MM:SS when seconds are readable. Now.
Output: **4:44**
